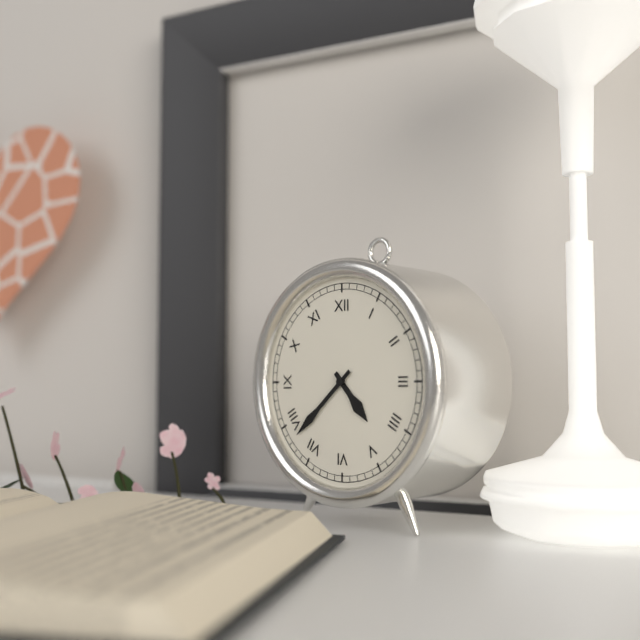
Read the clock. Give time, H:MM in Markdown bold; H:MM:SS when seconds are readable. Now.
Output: **4:38**
